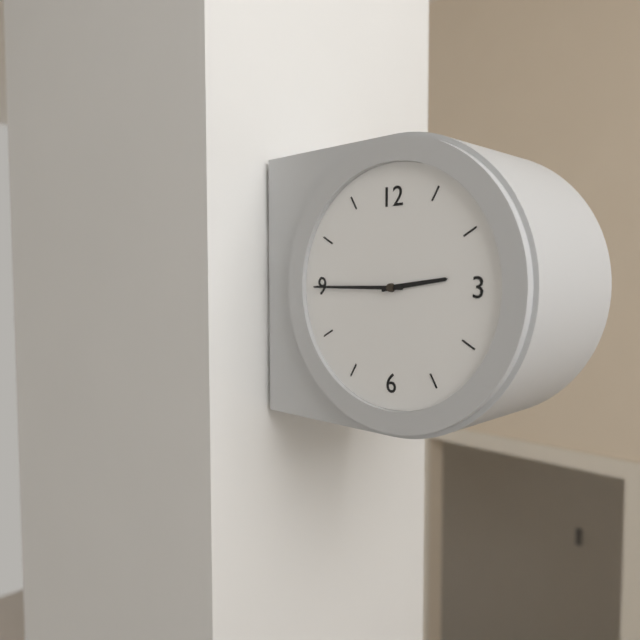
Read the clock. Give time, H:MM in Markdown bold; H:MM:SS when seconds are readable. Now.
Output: **2:45**
